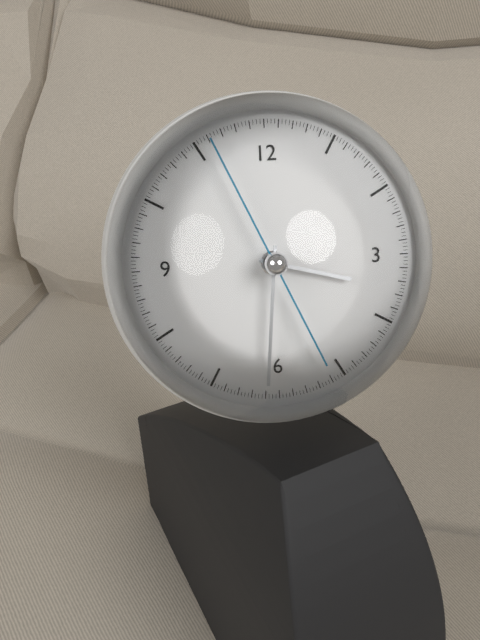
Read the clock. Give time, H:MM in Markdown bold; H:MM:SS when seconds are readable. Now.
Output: **3:31:56**
